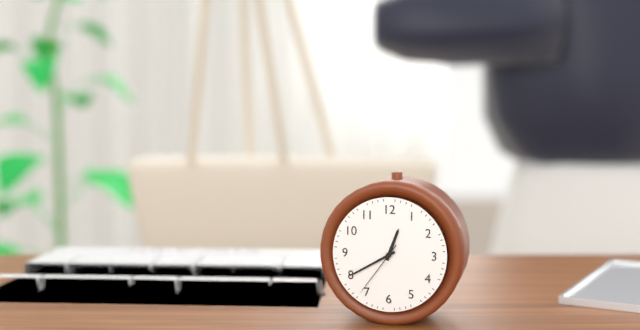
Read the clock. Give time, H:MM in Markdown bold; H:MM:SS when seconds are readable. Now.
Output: **12:40:36**
